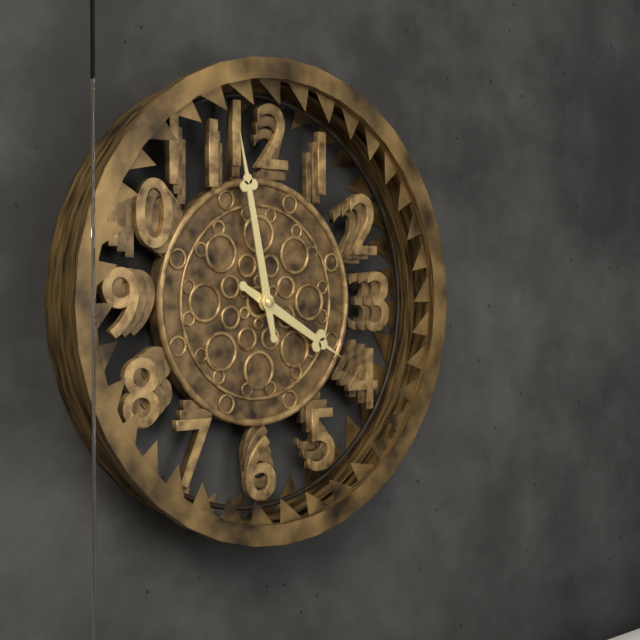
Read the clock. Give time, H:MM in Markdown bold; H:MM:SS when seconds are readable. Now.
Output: **3:58**
